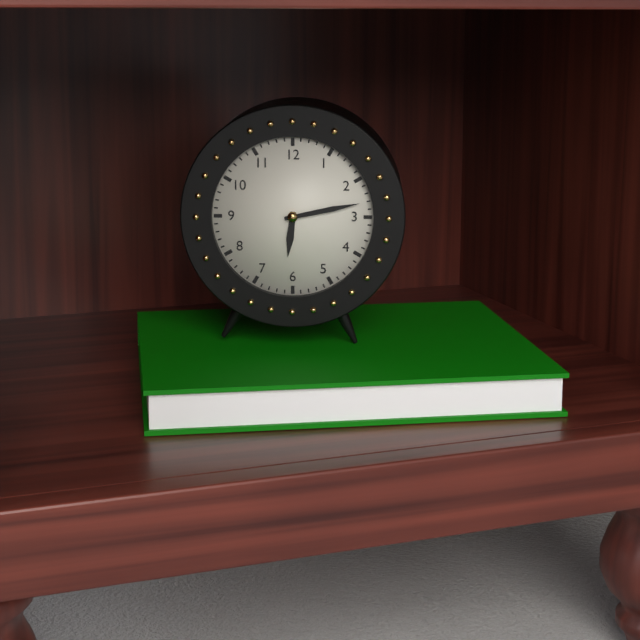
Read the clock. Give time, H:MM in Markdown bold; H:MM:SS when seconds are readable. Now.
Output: **6:13**
